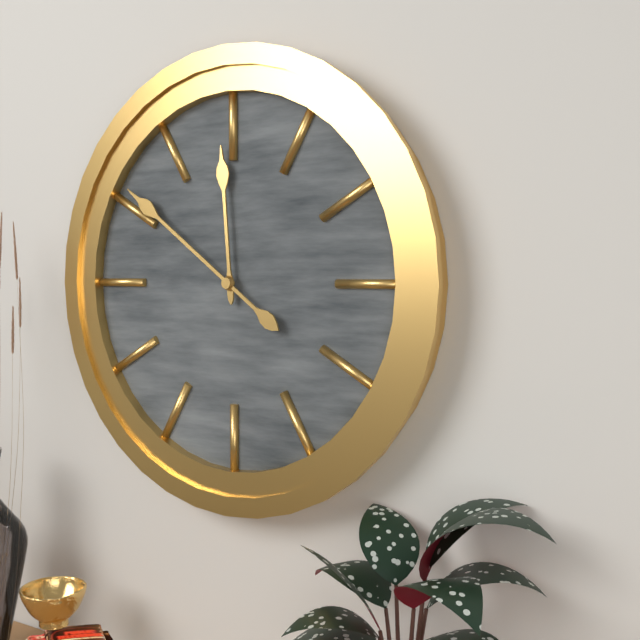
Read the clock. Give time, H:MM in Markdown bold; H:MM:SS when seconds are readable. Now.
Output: **11:51**
